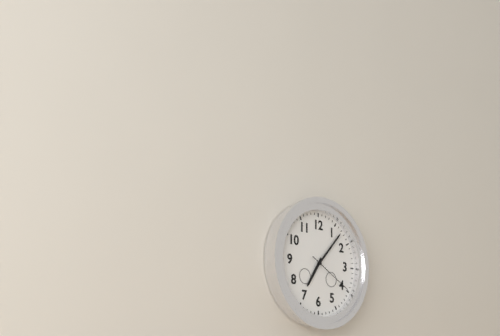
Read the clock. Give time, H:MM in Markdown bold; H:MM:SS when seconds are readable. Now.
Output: **7:07:20**
